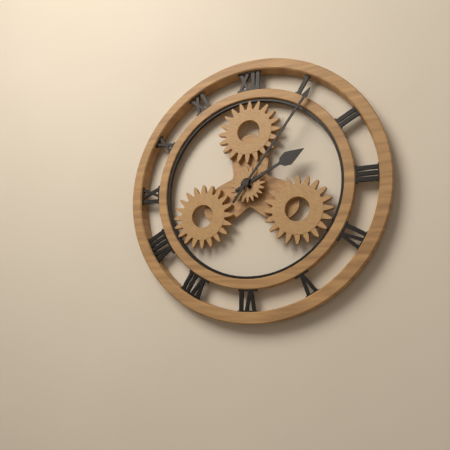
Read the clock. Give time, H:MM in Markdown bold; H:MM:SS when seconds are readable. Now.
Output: **2:06**
